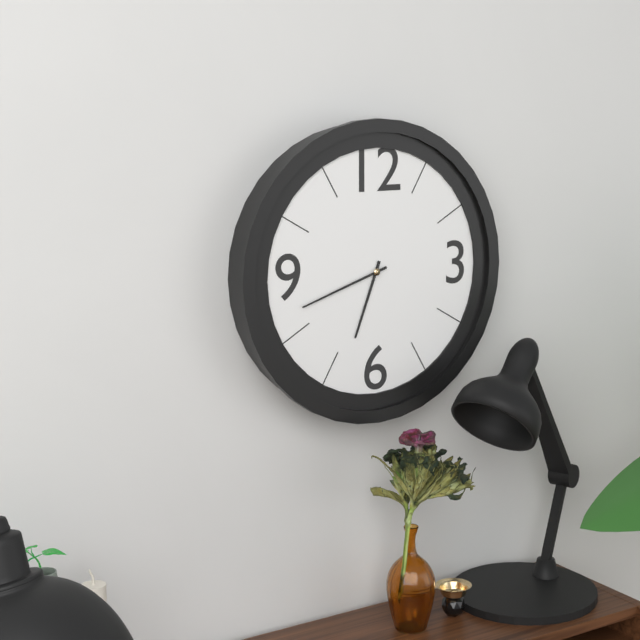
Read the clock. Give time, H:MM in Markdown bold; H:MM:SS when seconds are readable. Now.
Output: **6:42**
